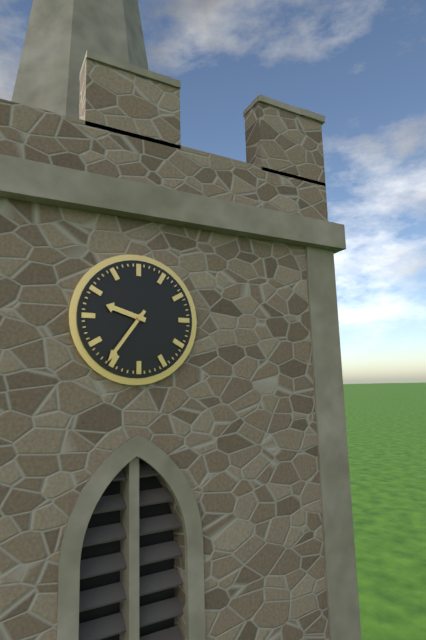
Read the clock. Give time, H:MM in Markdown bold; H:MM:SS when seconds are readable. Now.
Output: **9:36**
